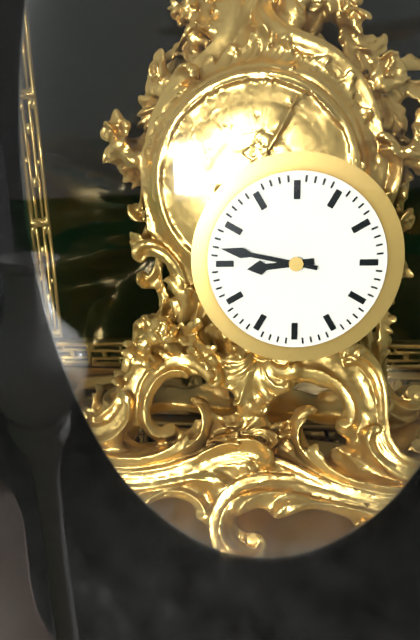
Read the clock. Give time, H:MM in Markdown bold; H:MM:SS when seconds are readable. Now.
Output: **8:47**
